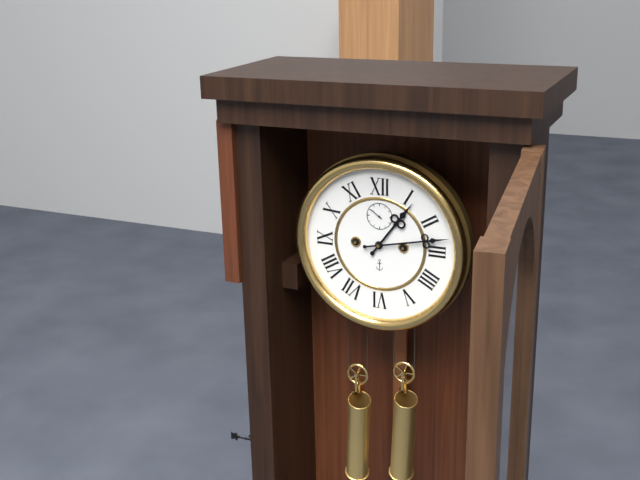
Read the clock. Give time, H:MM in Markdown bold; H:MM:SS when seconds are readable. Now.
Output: **1:13**
